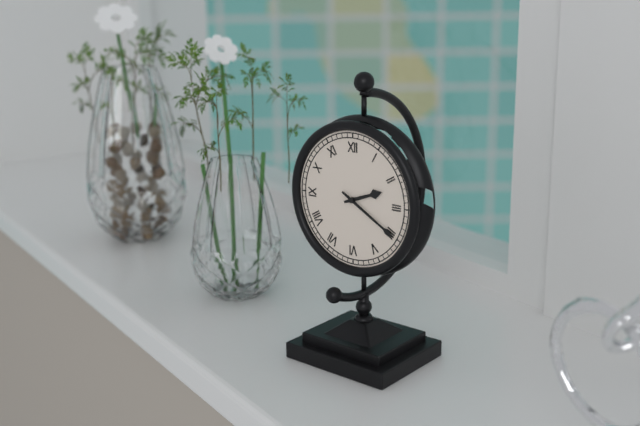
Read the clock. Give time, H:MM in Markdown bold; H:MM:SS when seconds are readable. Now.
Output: **2:20**
